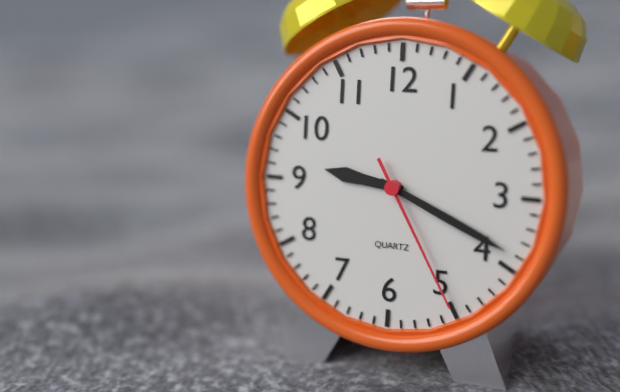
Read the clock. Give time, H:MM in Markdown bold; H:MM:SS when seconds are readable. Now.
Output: **9:19:25**
